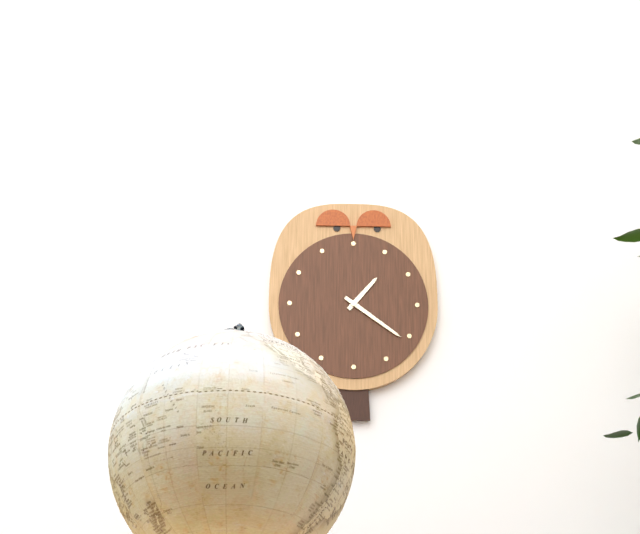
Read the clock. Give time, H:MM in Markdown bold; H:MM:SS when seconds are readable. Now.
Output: **1:21**
